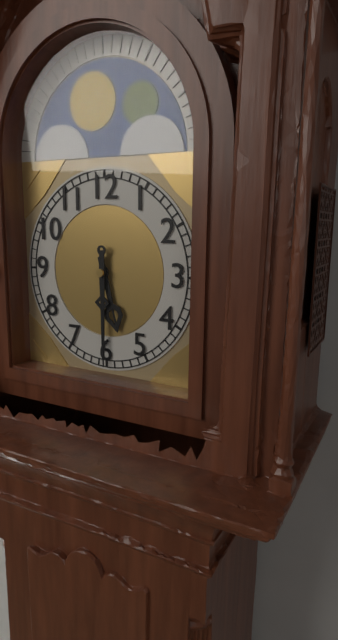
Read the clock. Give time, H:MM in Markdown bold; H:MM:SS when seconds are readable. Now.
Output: **5:30**
